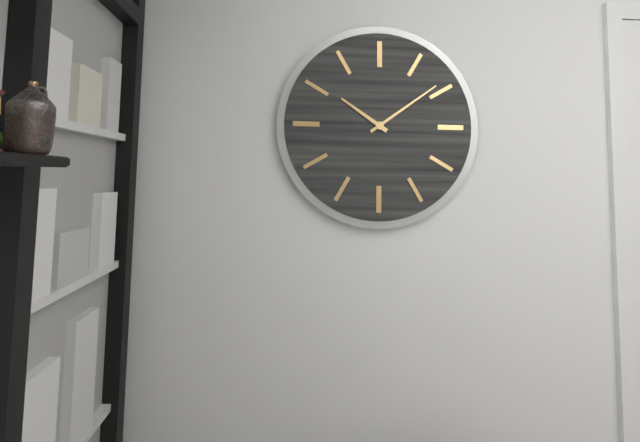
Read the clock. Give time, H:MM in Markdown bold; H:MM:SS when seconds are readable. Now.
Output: **10:09**
